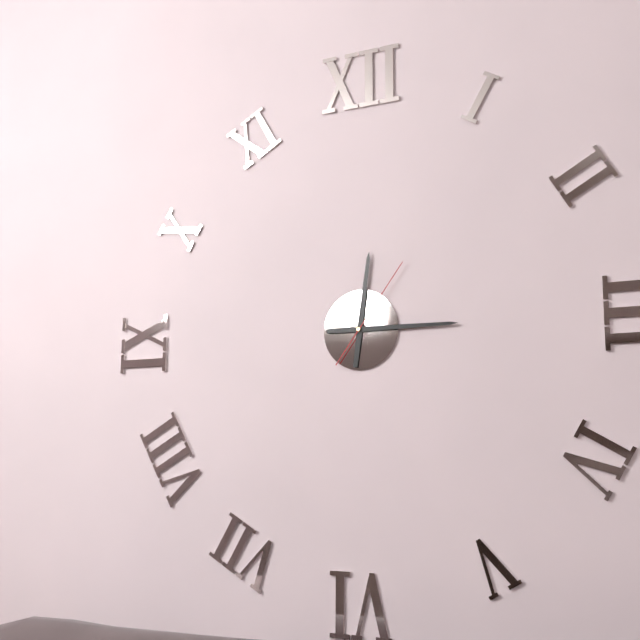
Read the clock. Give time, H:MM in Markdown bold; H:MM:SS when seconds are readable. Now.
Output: **12:15:06**
